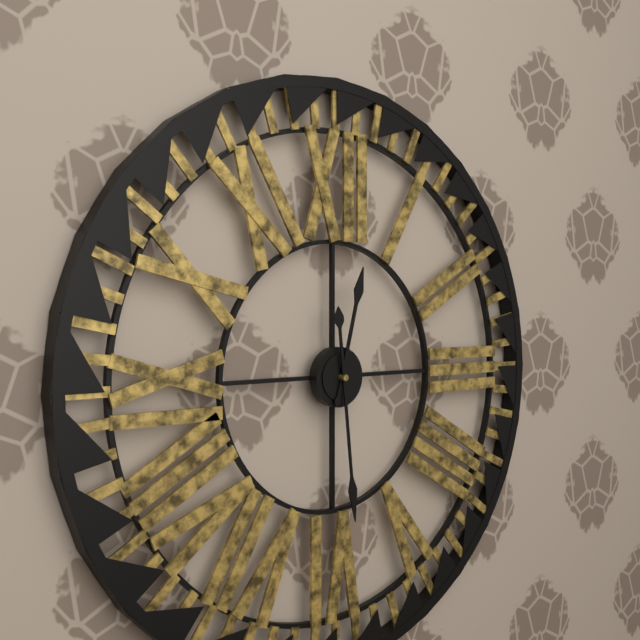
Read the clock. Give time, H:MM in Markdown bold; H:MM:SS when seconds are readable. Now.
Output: **12:29**
